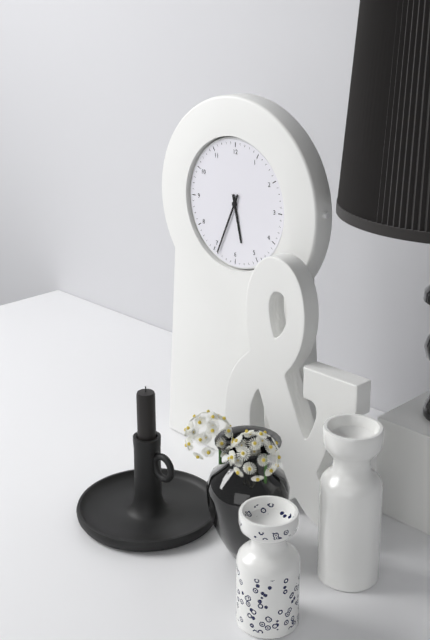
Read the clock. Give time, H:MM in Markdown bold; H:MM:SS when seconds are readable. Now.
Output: **5:34**
